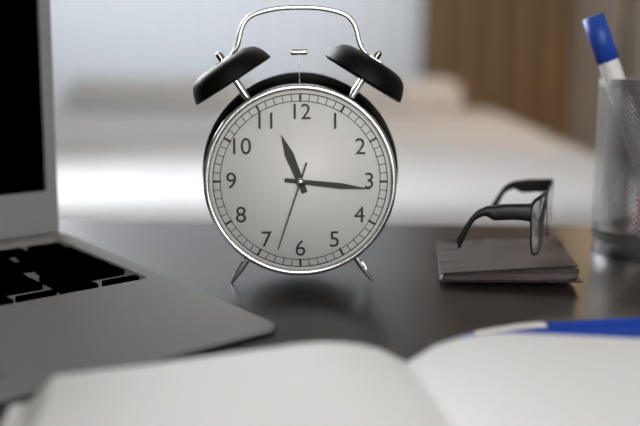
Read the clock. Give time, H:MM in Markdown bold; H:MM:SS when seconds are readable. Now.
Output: **11:16:33**
